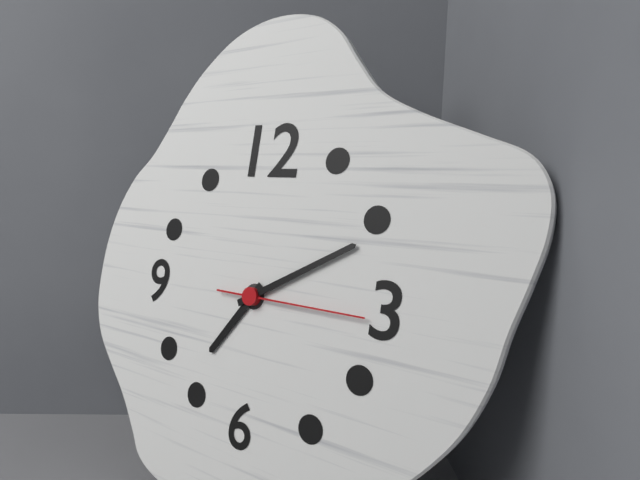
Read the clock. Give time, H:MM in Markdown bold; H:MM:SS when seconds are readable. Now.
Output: **7:10:15**
